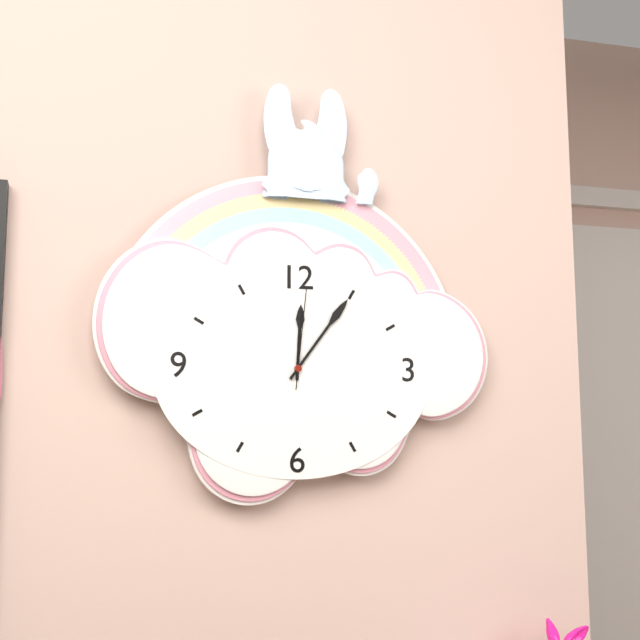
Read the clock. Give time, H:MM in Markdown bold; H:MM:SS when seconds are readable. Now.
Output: **12:06:01**
